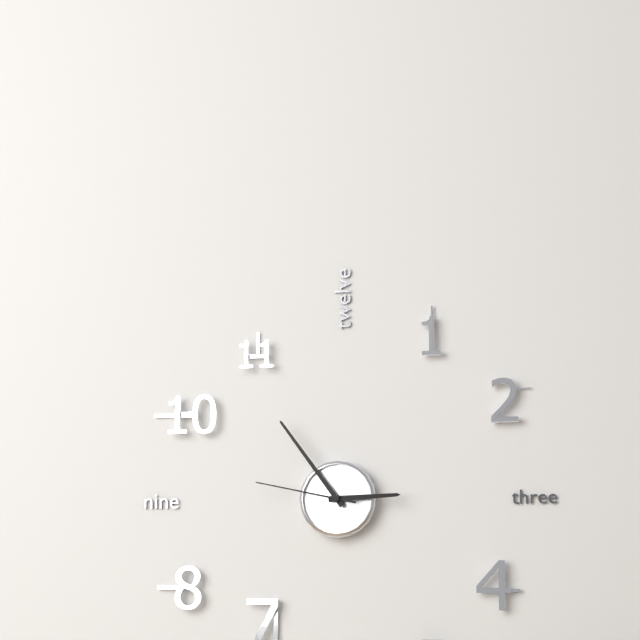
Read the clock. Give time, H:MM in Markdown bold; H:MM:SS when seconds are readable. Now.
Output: **2:54:47**
